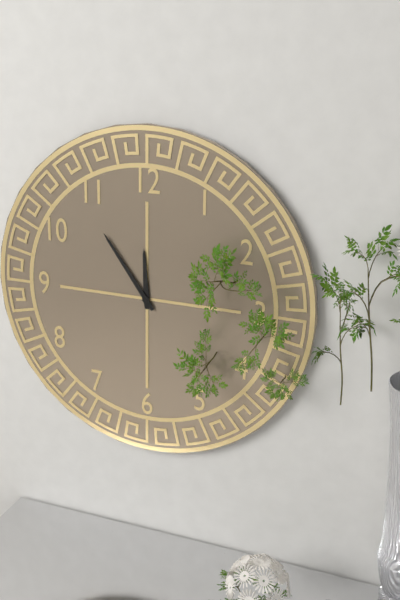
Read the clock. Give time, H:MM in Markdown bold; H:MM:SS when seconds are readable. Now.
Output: **11:54**
